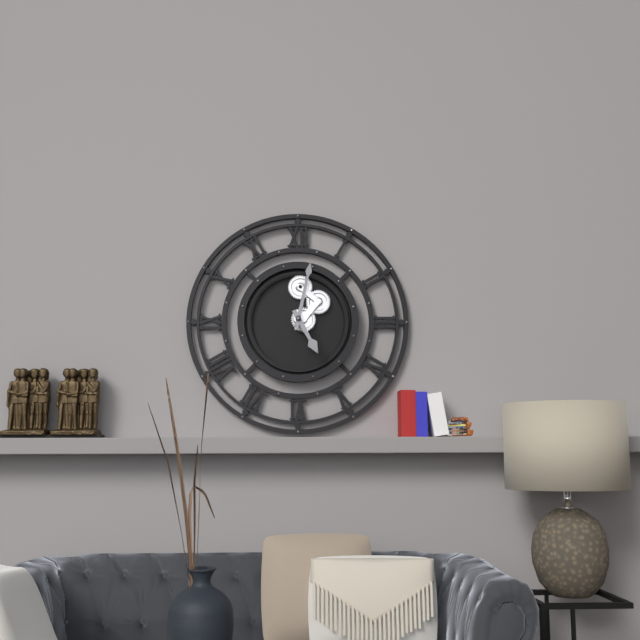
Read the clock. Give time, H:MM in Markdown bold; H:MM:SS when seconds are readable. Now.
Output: **5:02**
